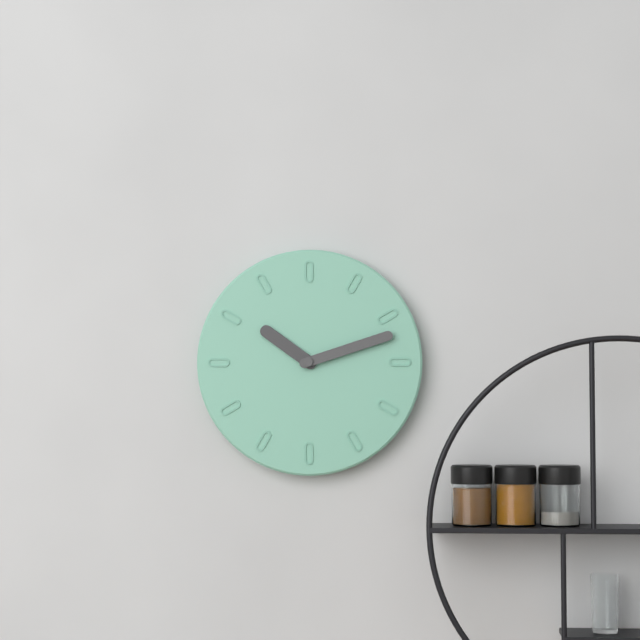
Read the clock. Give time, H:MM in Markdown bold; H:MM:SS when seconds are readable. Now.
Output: **10:12**
